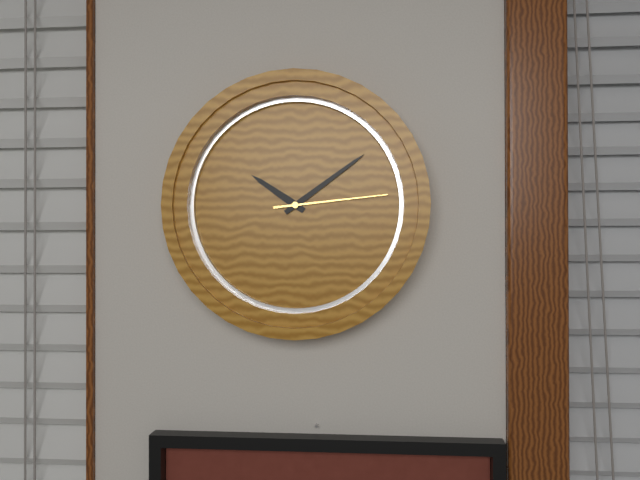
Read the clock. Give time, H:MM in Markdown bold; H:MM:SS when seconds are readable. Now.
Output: **10:09:14**
